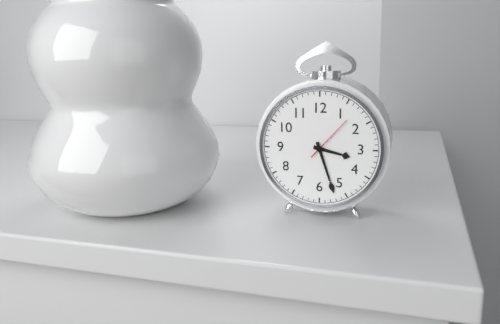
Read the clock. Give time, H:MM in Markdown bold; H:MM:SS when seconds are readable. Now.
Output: **3:27**
